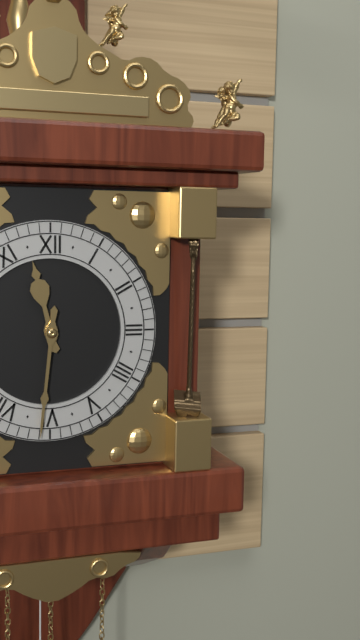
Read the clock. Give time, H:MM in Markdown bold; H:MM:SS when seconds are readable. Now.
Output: **11:31**
